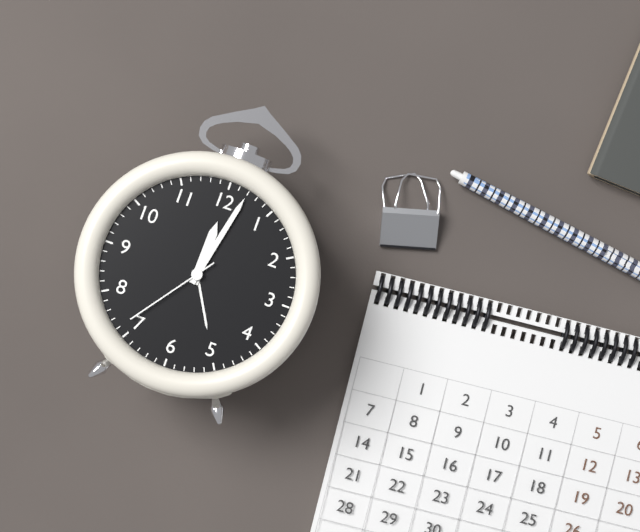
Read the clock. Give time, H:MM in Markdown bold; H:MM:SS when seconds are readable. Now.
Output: **12:02:36**
